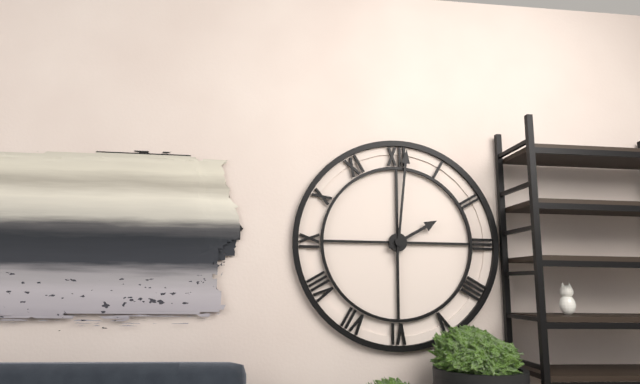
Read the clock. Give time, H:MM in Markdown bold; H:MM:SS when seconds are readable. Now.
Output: **2:01**
